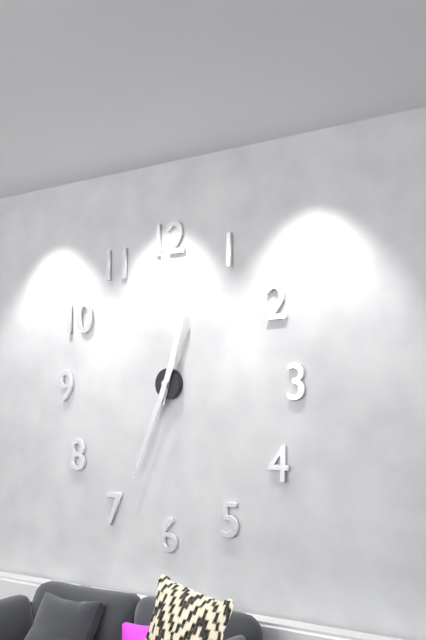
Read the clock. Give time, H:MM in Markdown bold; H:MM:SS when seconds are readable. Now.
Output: **12:34**
